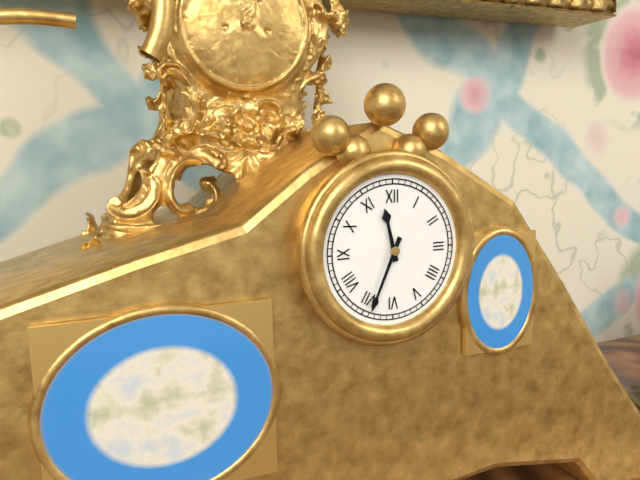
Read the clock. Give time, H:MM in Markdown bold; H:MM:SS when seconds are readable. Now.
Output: **11:34**
